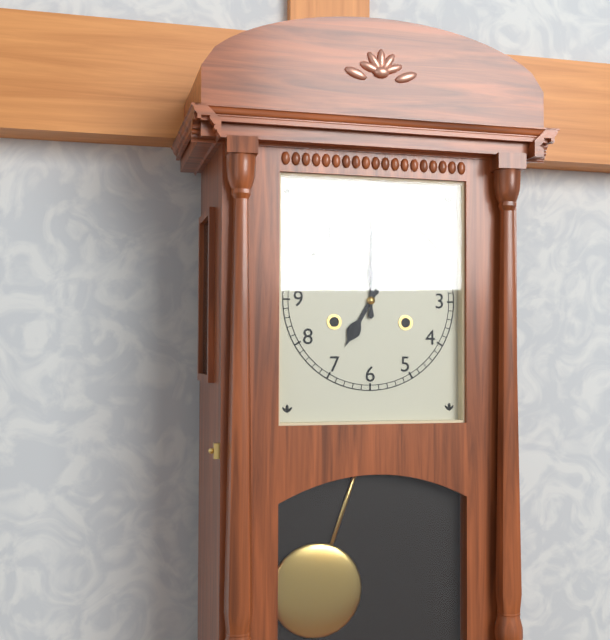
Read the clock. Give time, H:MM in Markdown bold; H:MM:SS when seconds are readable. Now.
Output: **7:00**
